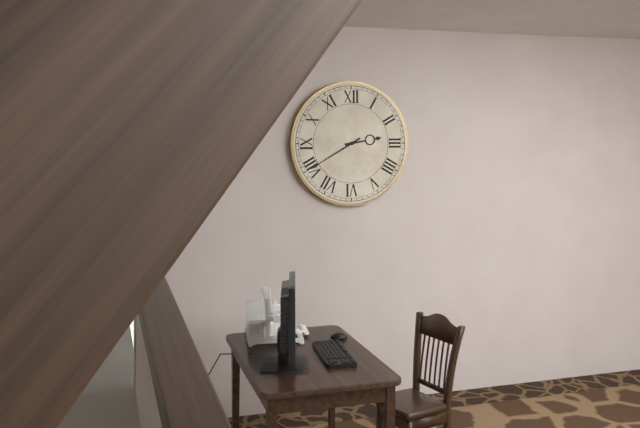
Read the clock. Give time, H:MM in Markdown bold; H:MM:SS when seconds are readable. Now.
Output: **2:40**
